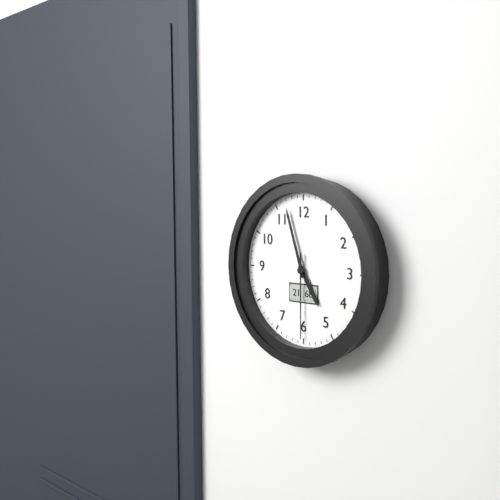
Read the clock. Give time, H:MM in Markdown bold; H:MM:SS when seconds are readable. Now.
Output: **4:57:30**
